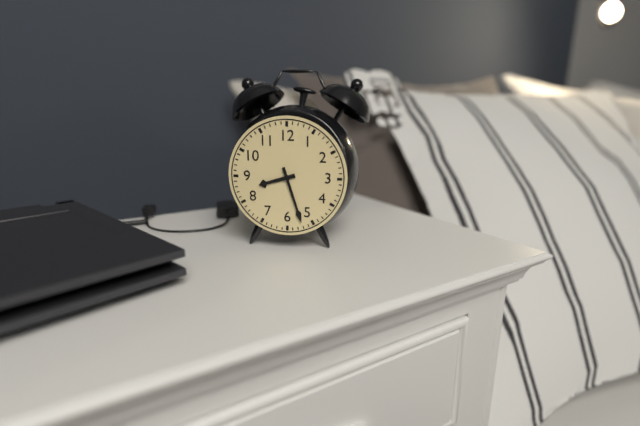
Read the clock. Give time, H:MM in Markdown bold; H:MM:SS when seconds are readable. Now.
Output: **8:27**
